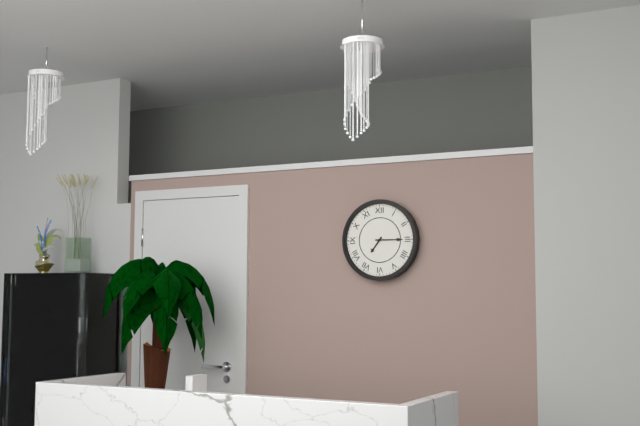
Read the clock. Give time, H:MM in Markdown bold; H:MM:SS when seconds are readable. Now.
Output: **7:15**
